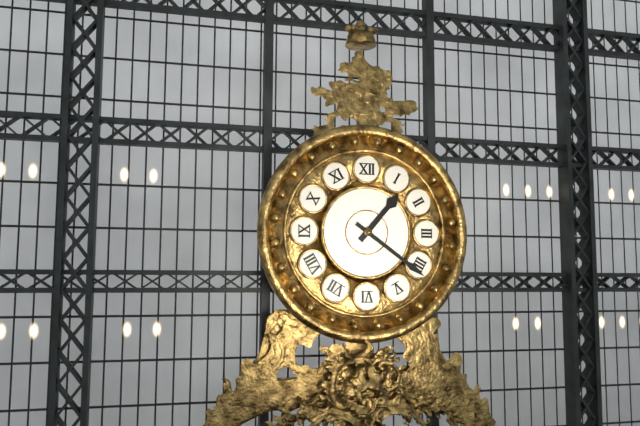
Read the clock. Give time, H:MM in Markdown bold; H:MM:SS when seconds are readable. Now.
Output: **1:21**
